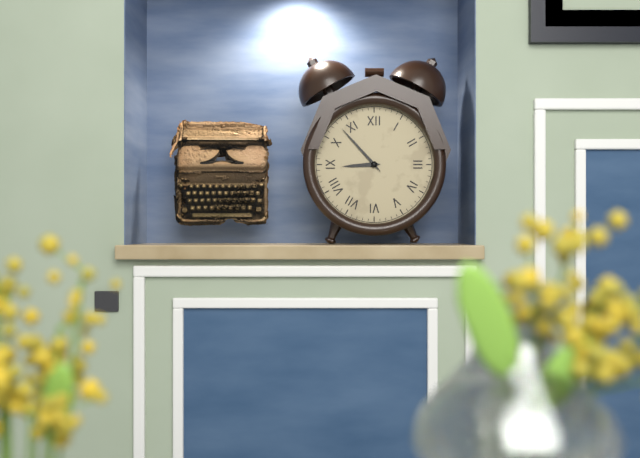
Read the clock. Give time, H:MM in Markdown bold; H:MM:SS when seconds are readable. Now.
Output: **8:53**
